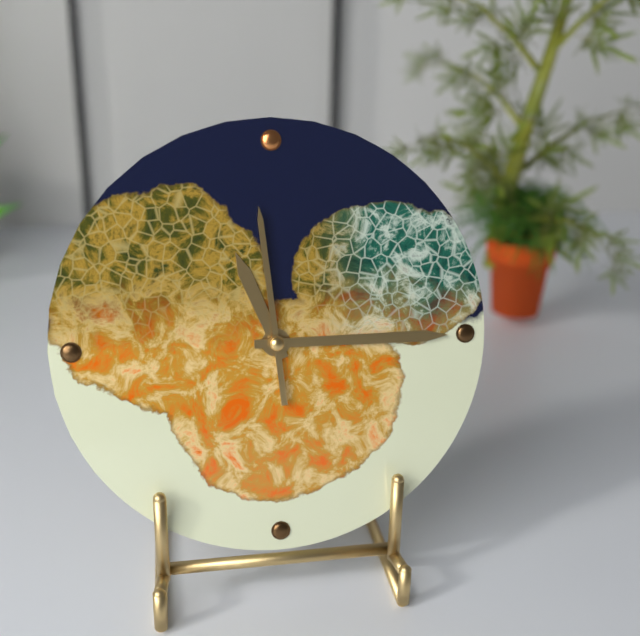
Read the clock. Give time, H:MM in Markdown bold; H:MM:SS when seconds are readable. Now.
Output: **11:15:59**
